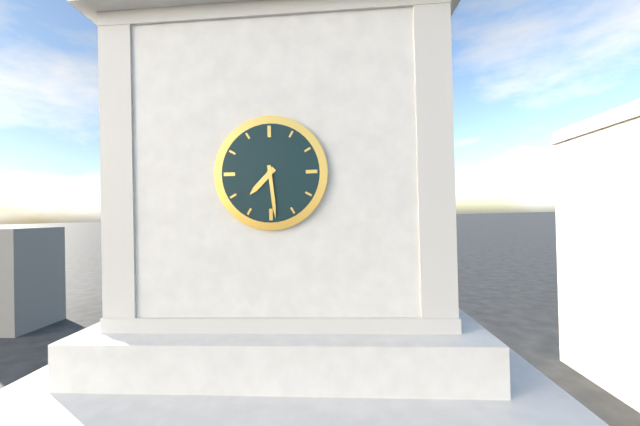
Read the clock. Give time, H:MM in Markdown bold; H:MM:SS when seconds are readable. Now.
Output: **7:29**
